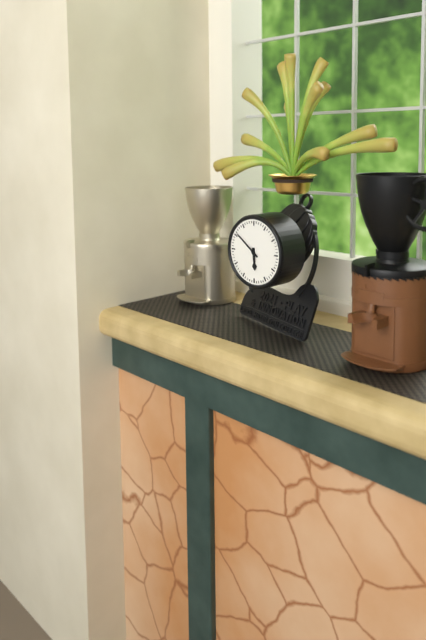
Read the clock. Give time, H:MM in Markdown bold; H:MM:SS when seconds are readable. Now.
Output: **5:51**
